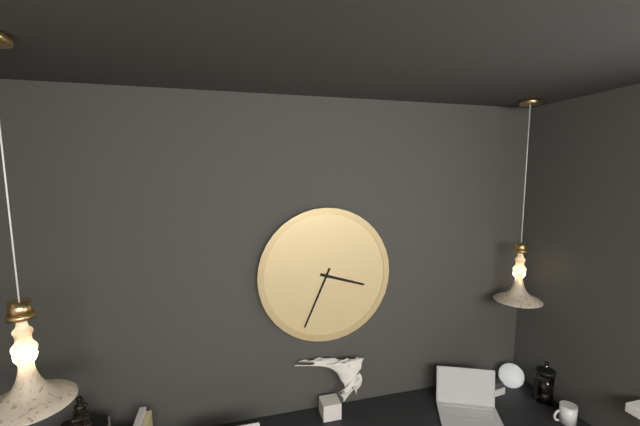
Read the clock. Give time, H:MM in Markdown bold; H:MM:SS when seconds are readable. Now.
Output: **3:34**
